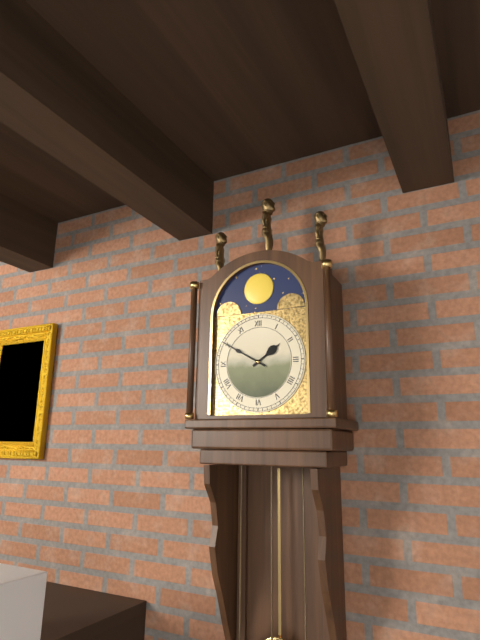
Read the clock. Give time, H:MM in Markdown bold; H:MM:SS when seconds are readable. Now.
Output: **1:50**
